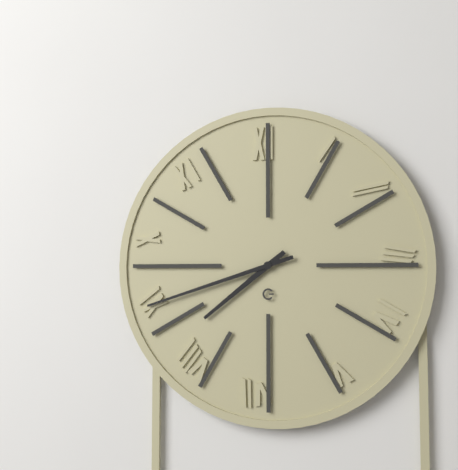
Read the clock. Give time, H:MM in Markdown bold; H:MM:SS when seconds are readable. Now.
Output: **7:42**
